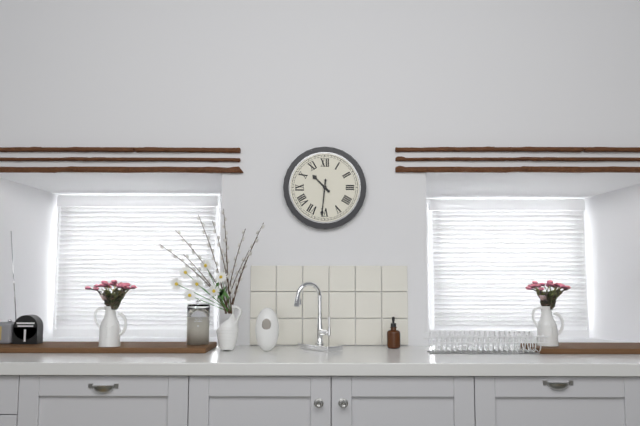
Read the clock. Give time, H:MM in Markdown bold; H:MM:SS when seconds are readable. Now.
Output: **10:31**
